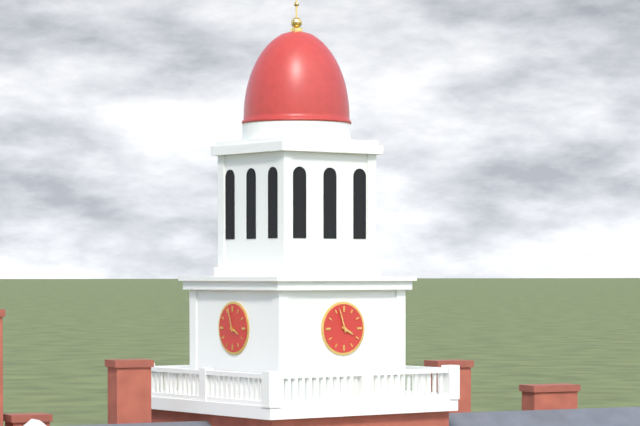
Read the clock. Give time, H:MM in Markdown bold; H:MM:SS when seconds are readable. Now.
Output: **3:57**
